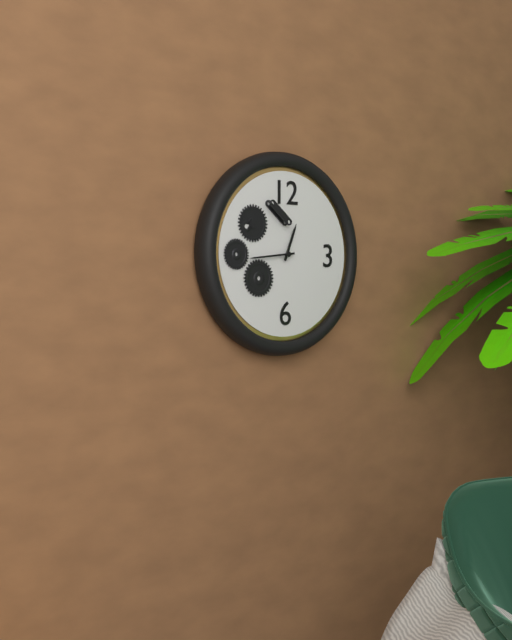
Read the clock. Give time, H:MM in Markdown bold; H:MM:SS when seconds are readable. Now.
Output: **12:44**
